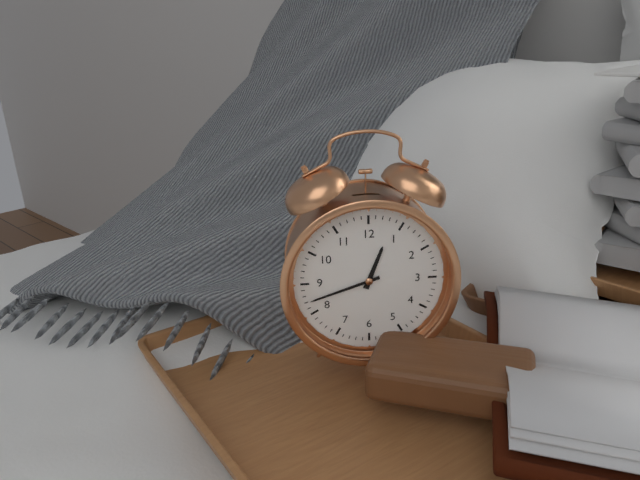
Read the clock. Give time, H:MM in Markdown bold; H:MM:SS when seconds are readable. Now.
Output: **12:42**
